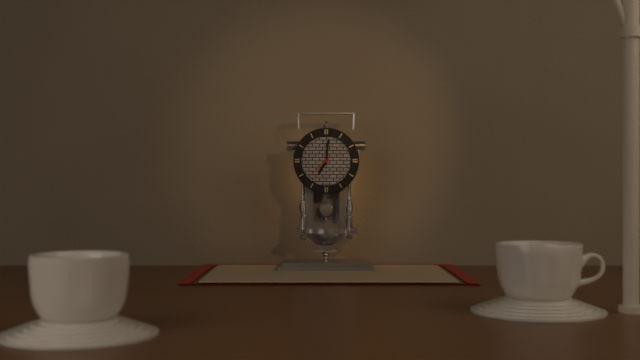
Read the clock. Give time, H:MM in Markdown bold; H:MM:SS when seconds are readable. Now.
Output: **7:01**
